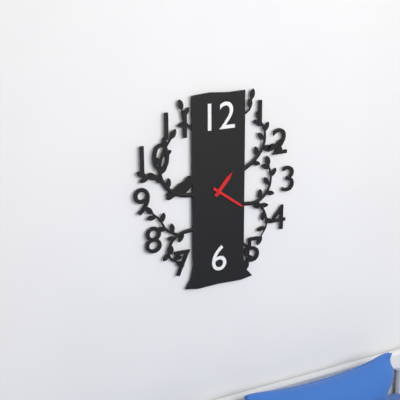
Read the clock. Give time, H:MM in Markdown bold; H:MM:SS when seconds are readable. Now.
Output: **1:21**
